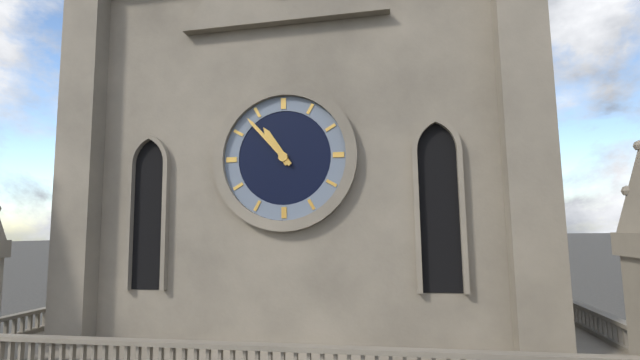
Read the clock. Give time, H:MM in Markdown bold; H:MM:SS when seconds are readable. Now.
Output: **10:53**
